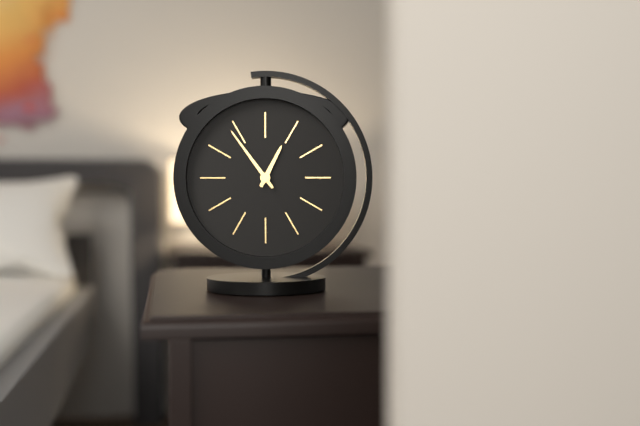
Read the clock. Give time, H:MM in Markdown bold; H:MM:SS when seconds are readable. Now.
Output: **12:54**
